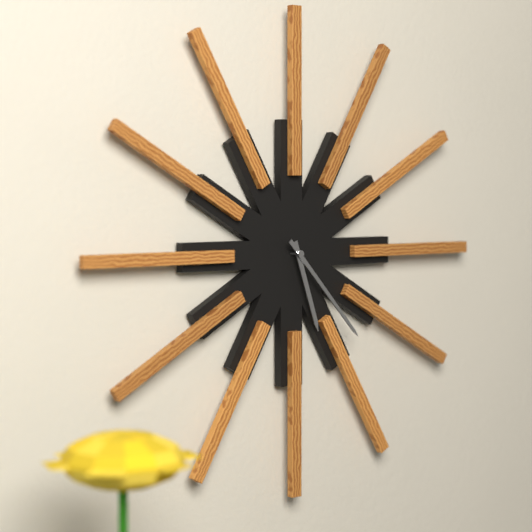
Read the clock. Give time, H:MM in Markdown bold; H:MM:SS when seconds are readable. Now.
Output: **5:23**
